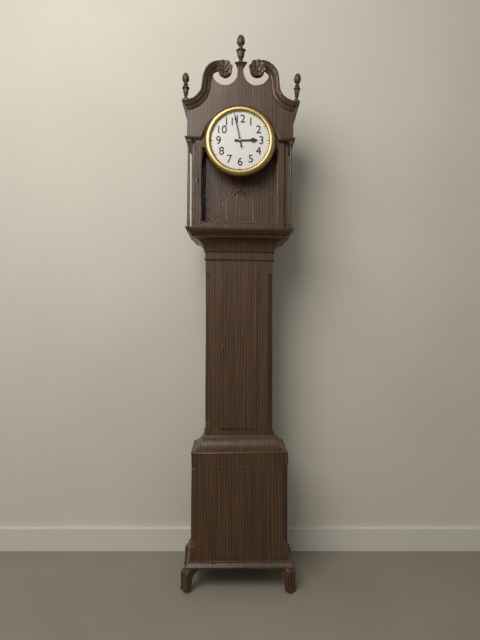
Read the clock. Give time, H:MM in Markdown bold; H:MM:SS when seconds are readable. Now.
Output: **2:58**
